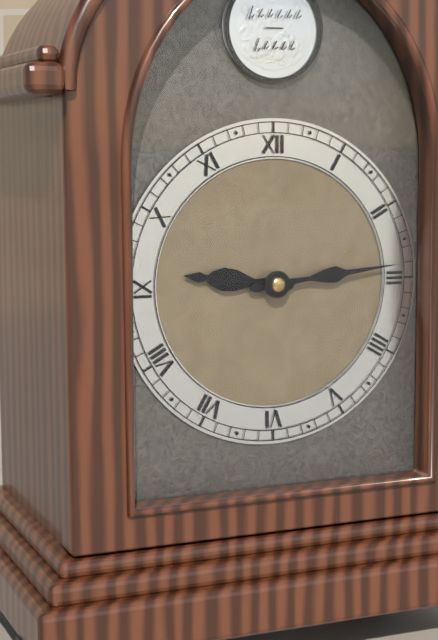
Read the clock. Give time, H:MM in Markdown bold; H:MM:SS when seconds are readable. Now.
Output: **9:14**
